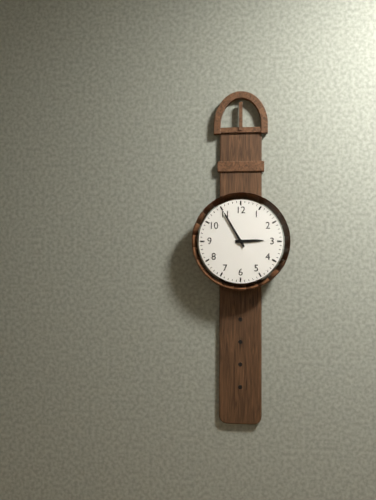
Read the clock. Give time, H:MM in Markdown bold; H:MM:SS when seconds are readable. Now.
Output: **2:55**
